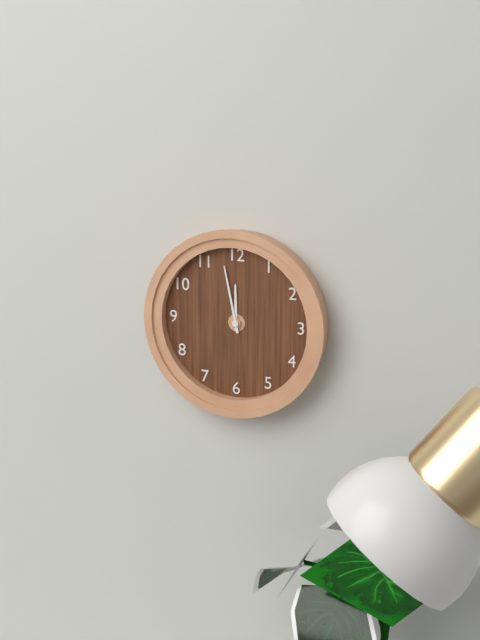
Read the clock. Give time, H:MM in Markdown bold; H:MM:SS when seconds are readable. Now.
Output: **11:58**
